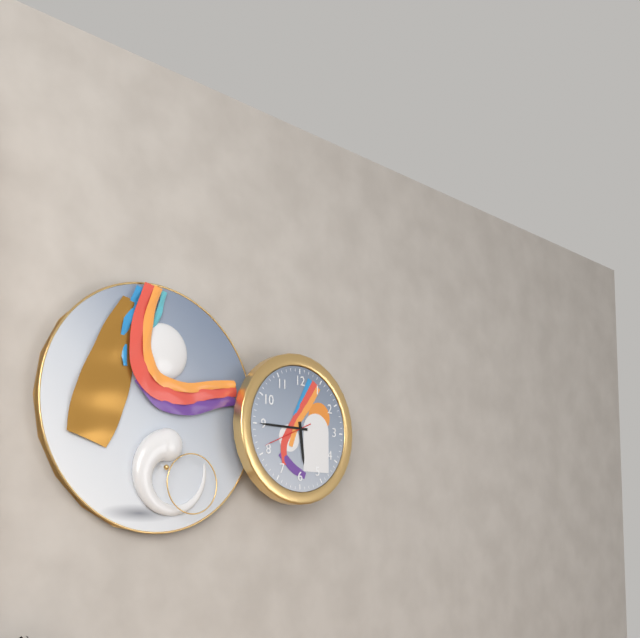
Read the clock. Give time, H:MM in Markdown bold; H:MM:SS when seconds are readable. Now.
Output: **5:45**
